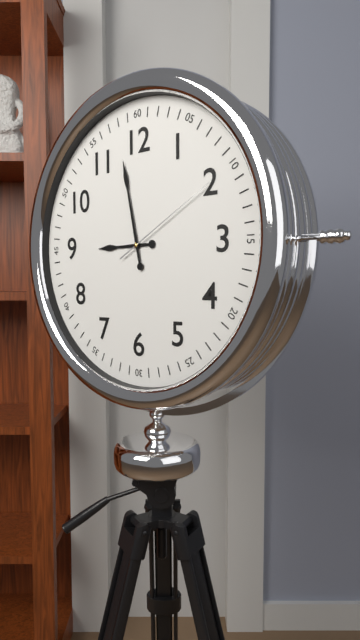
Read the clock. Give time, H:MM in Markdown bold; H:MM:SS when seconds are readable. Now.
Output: **8:58:10**
